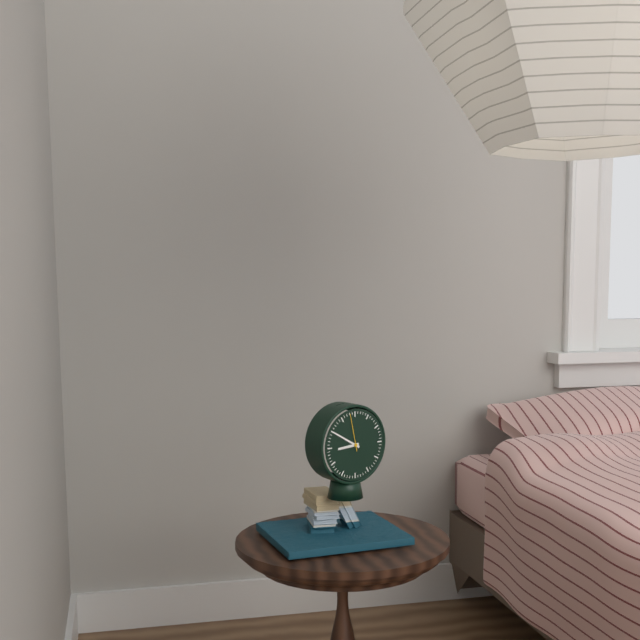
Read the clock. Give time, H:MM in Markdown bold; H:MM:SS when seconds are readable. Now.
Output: **8:50**
